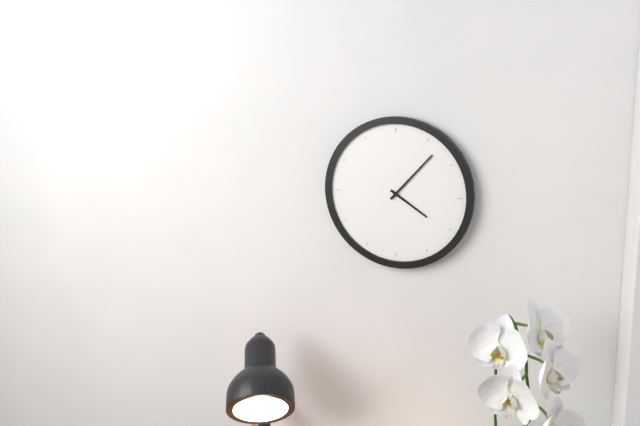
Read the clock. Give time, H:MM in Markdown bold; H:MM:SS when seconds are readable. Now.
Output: **4:07**
